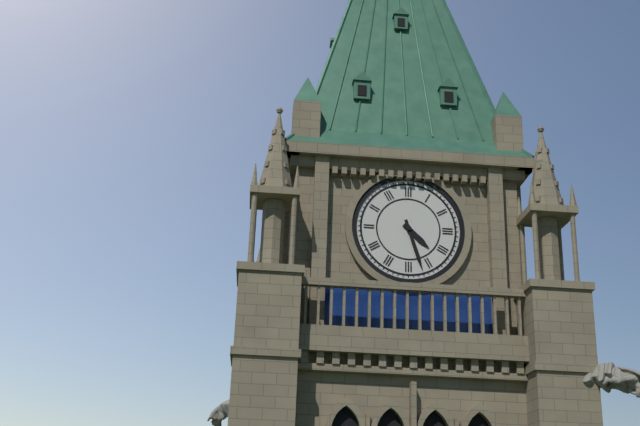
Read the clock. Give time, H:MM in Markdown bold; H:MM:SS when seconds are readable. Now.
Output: **4:27**
